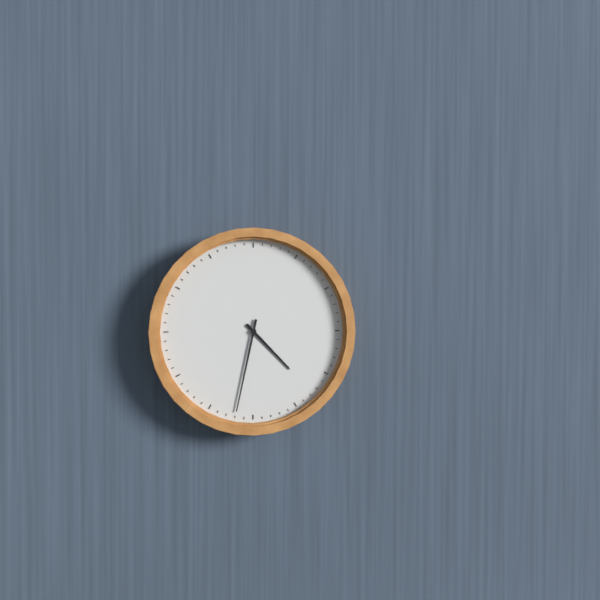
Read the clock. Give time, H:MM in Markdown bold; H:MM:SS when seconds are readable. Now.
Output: **4:32**
